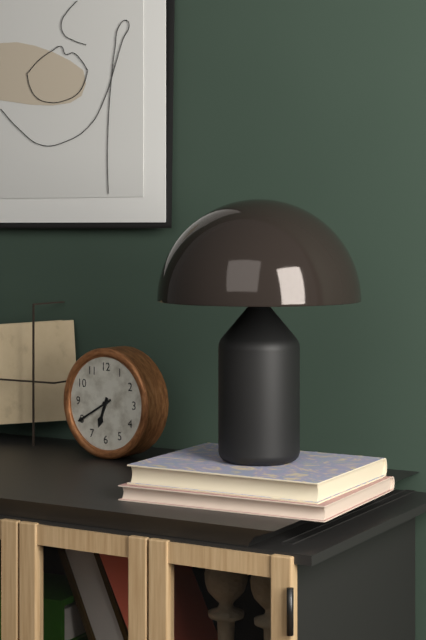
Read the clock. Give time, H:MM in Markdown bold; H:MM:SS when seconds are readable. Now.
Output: **6:40**
